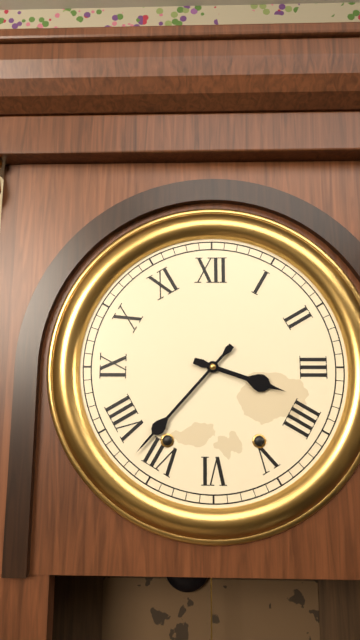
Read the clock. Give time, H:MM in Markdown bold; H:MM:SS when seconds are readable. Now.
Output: **3:37**
